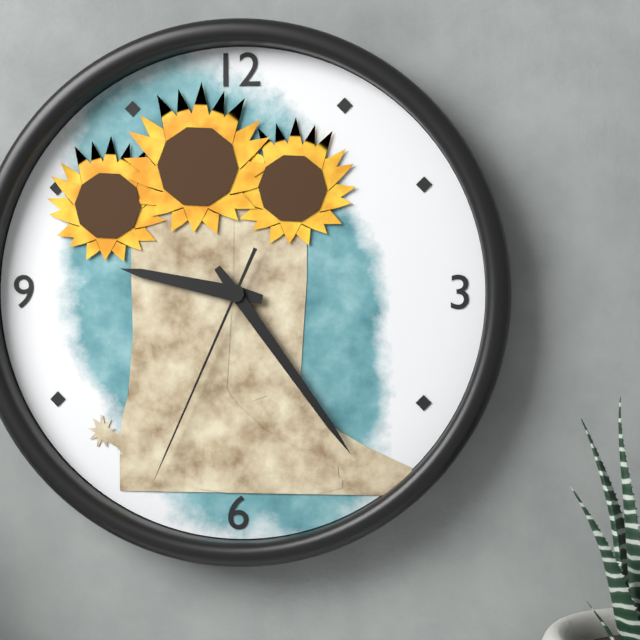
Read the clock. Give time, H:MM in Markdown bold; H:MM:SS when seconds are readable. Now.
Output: **9:24:34**
